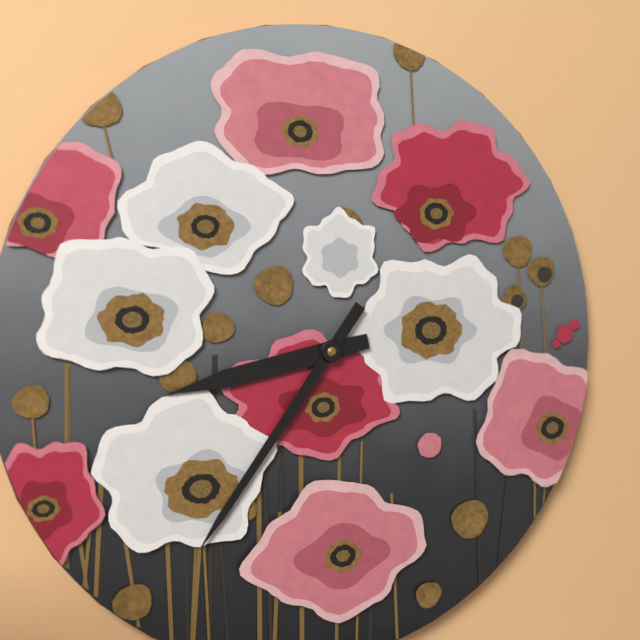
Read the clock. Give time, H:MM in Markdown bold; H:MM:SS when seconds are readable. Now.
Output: **8:36**
